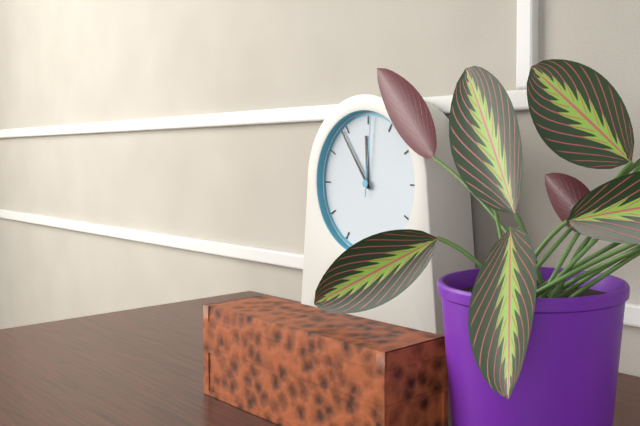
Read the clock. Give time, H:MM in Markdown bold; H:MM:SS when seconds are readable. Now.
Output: **11:54:01**
